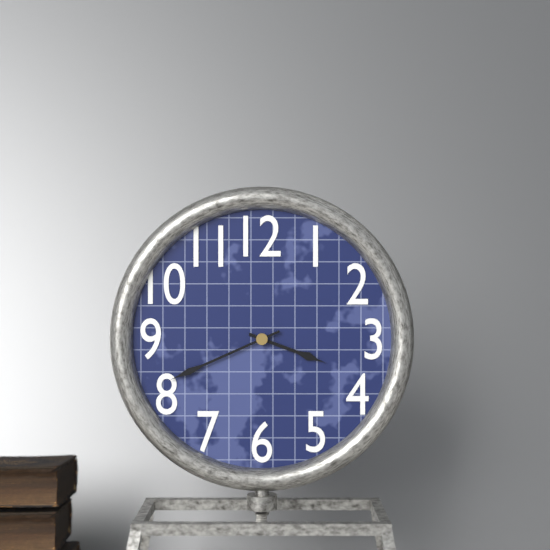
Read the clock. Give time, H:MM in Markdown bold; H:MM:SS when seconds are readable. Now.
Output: **3:41**
